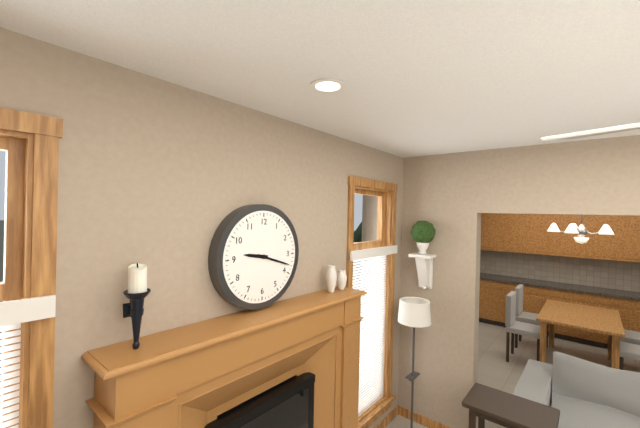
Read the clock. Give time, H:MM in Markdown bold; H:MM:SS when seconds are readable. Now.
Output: **9:18**
